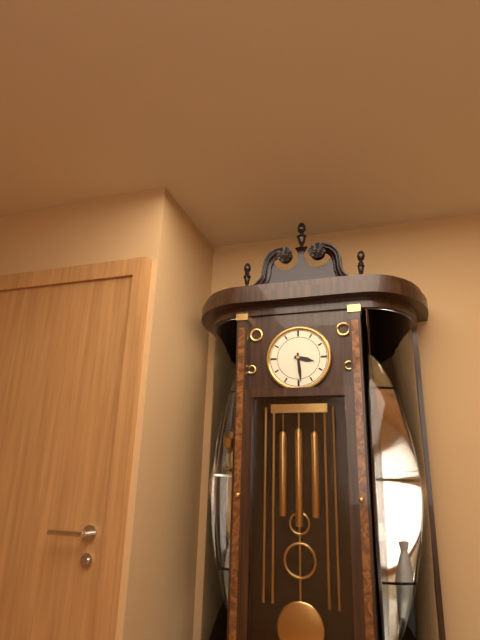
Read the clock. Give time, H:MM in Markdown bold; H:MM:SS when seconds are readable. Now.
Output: **3:29**
